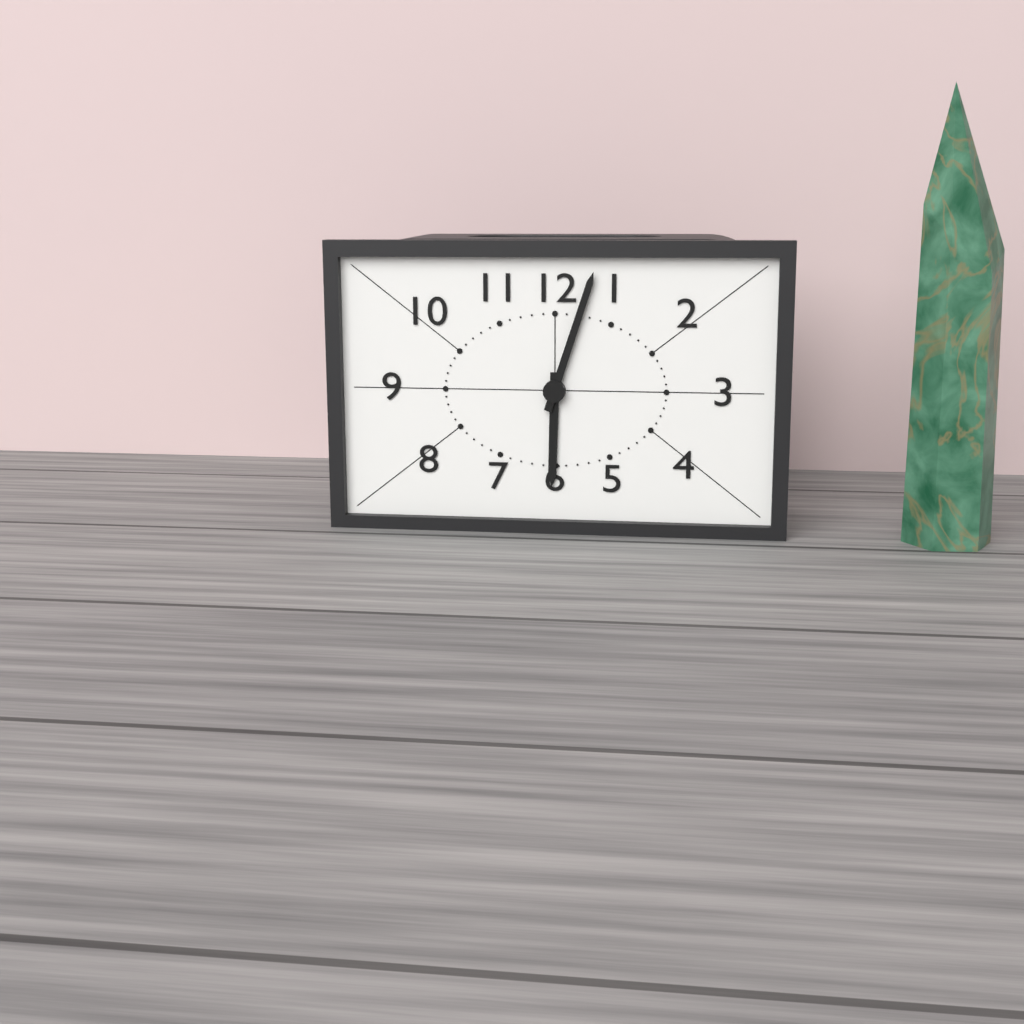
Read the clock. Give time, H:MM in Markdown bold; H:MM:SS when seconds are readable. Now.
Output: **6:03**
